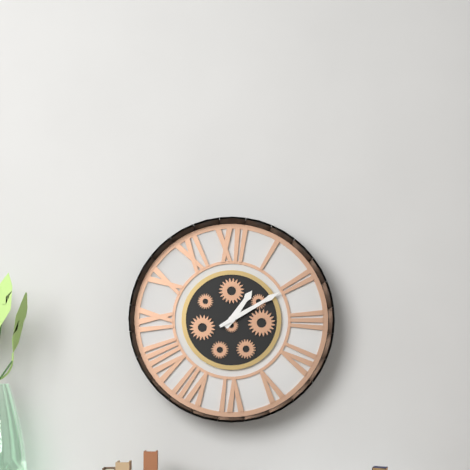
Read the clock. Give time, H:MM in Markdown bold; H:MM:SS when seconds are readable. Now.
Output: **1:10**
